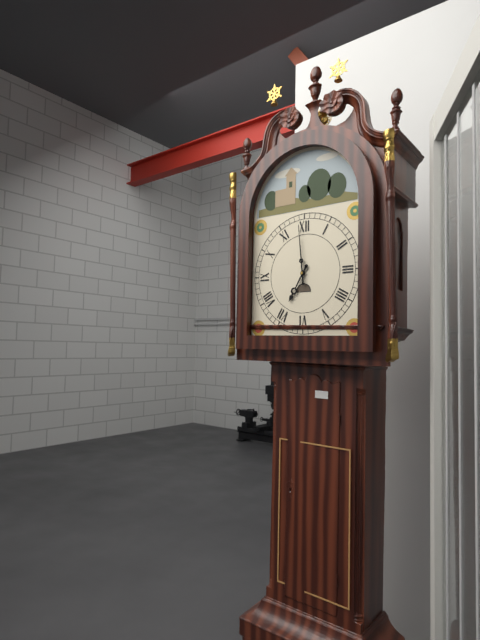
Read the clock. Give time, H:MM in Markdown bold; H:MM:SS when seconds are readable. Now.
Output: **6:59**
